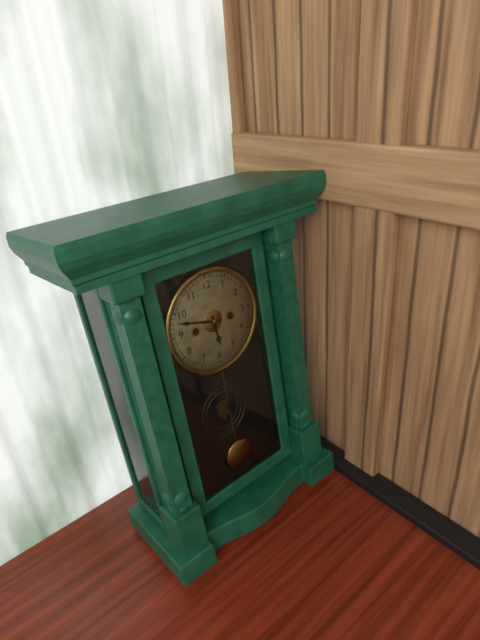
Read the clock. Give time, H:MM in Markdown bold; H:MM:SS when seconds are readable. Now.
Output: **5:48**
